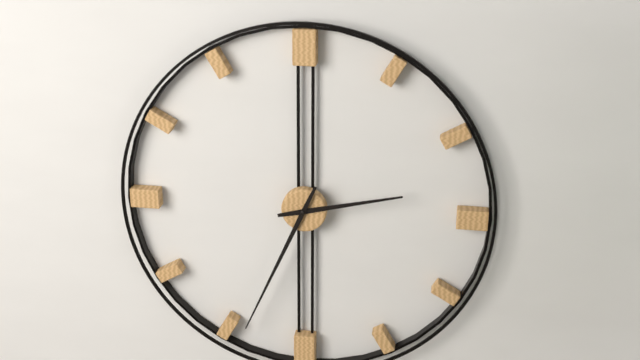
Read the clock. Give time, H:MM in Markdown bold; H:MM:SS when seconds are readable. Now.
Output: **2:34**
